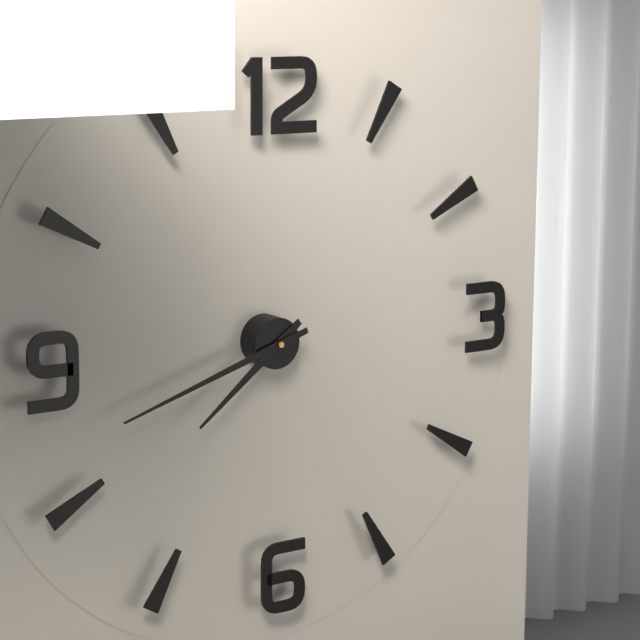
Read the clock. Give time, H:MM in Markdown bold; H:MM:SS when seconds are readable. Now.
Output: **7:42**
